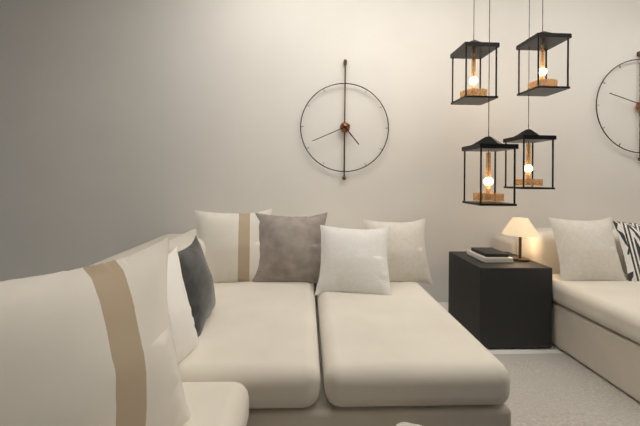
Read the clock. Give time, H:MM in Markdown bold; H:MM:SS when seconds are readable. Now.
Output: **4:41**
